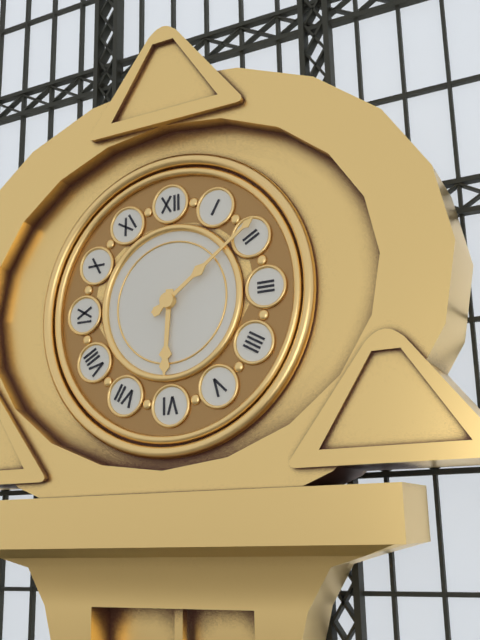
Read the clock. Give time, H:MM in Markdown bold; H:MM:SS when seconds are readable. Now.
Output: **6:09**
